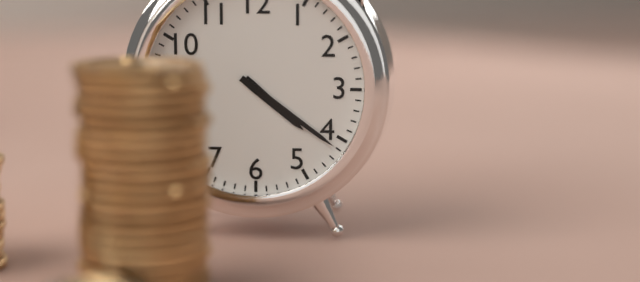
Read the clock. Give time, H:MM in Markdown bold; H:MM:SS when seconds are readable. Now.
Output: **4:21**
